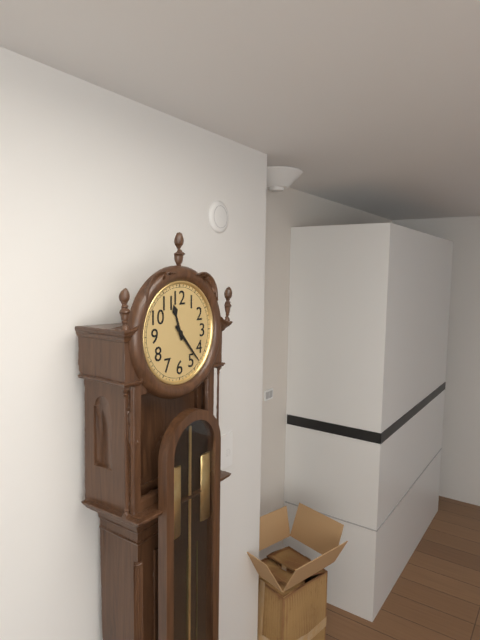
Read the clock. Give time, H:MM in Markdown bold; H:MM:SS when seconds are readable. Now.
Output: **11:23**
